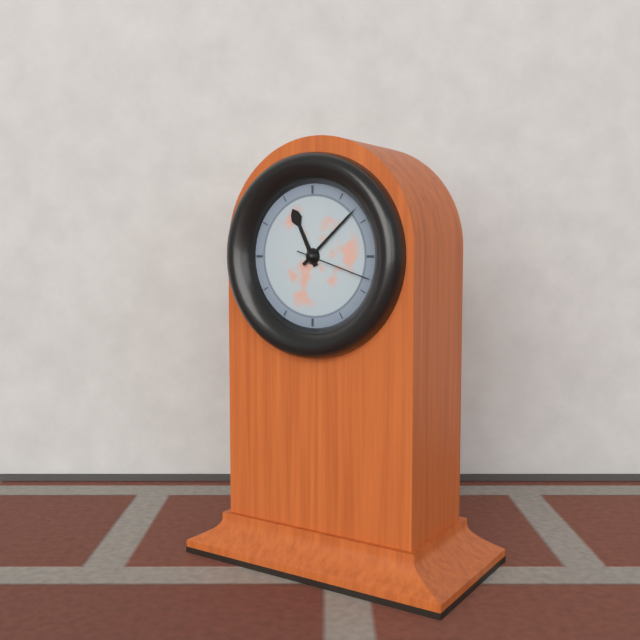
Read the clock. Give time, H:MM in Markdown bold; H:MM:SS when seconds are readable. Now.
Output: **11:08:18**
